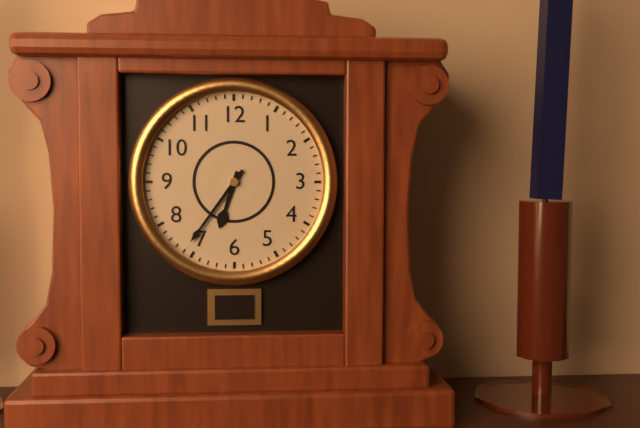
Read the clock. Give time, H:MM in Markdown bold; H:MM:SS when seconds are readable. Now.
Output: **6:36**
